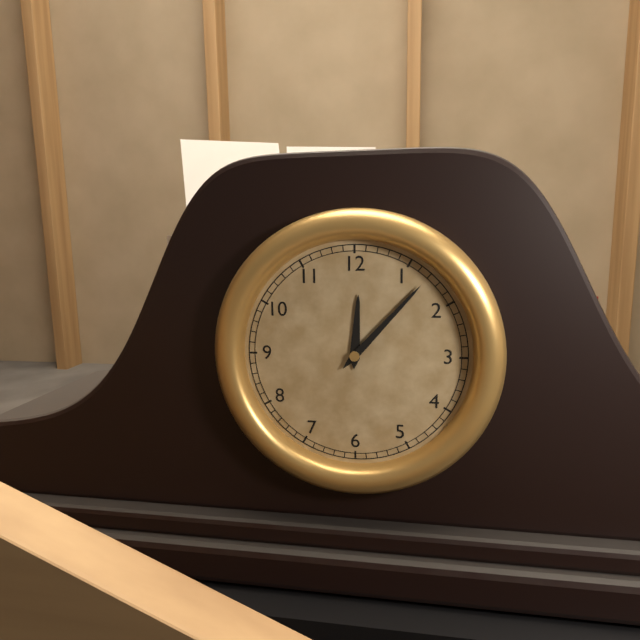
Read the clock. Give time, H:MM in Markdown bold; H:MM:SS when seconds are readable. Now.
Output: **12:07**
